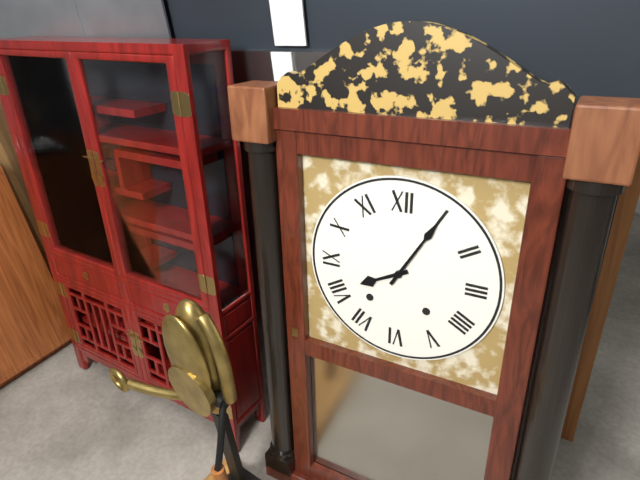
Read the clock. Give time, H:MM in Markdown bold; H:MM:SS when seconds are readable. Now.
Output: **8:05**
